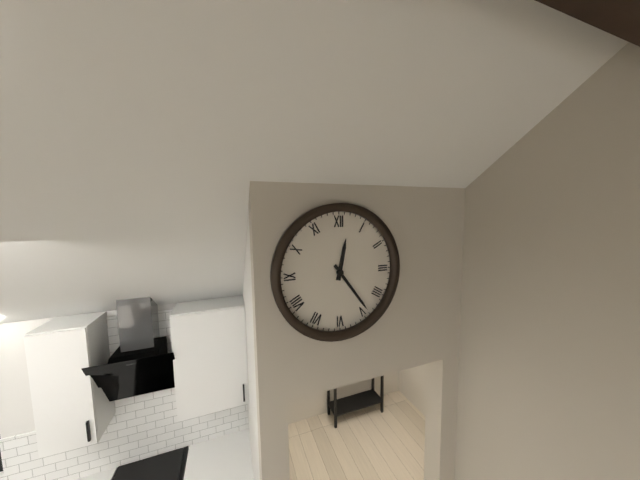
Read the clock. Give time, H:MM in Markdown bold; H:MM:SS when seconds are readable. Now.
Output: **12:24**
